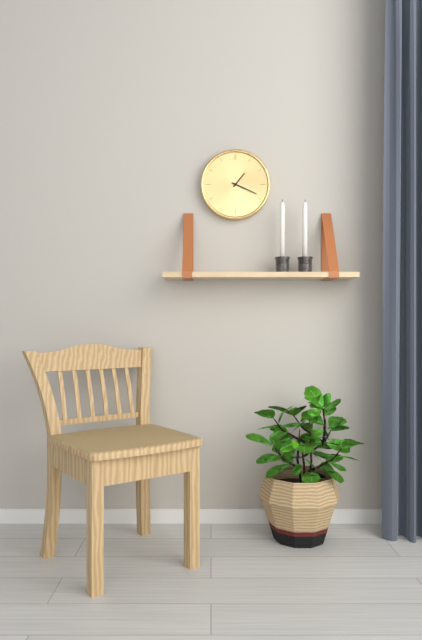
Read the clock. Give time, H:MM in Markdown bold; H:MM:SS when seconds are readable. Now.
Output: **1:19**
